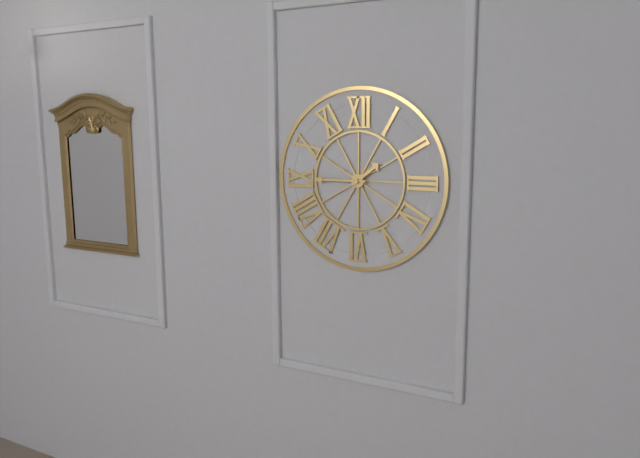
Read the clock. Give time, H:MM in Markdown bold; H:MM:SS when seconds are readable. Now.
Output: **1:45**
